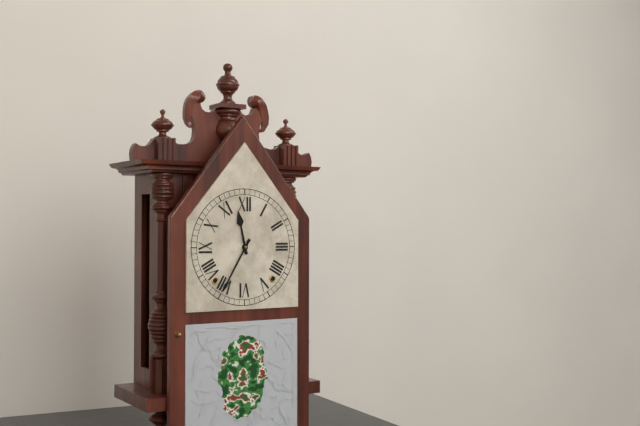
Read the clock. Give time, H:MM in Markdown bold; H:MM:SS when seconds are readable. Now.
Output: **11:35**
